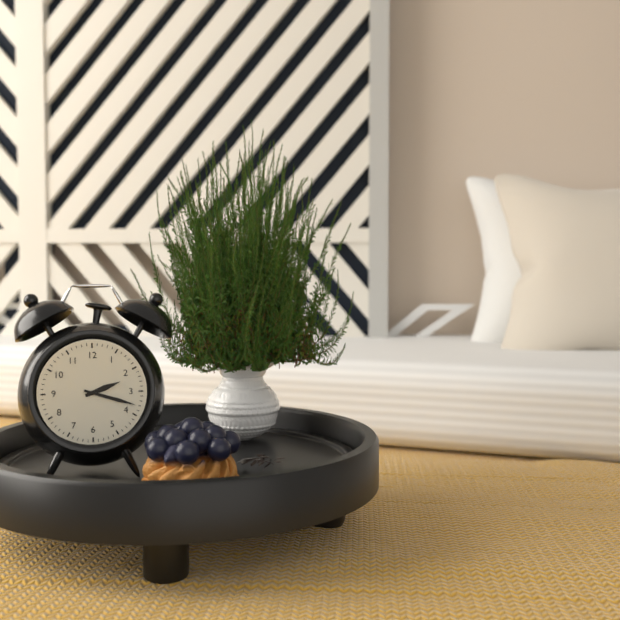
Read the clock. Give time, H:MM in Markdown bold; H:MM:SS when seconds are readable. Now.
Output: **2:18**
